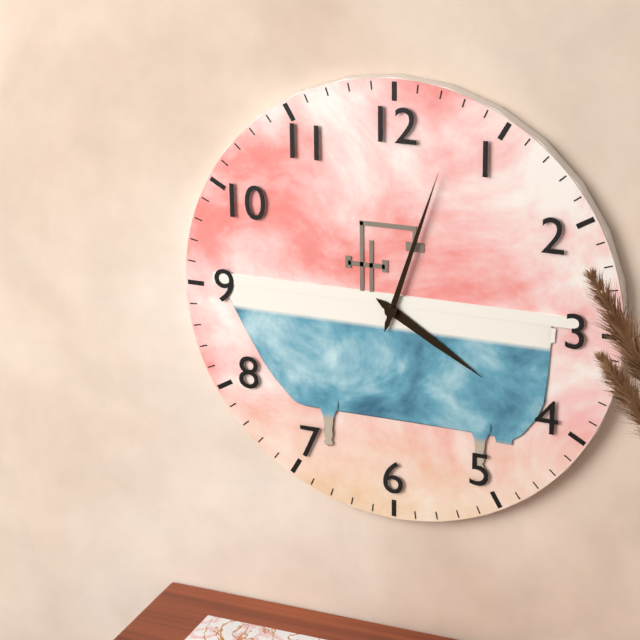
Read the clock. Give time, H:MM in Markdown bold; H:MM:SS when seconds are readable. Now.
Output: **4:03**
